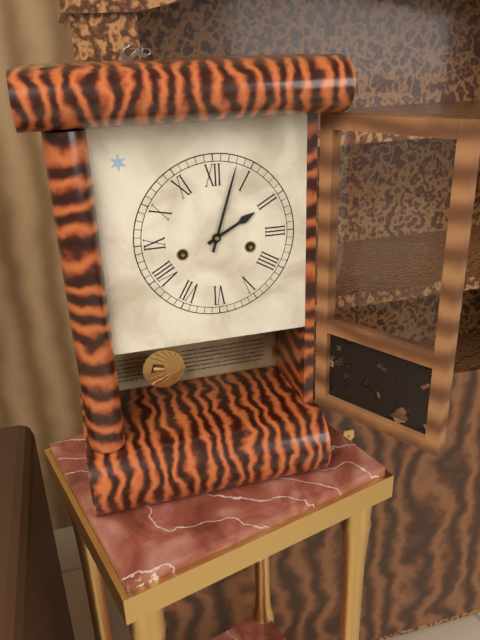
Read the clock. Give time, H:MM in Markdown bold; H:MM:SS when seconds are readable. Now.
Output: **2:03**
